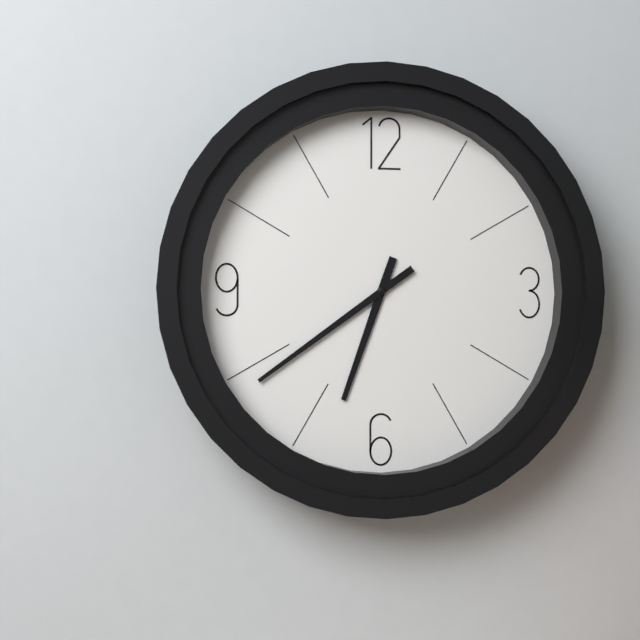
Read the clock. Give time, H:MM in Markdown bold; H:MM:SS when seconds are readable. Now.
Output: **6:39**
